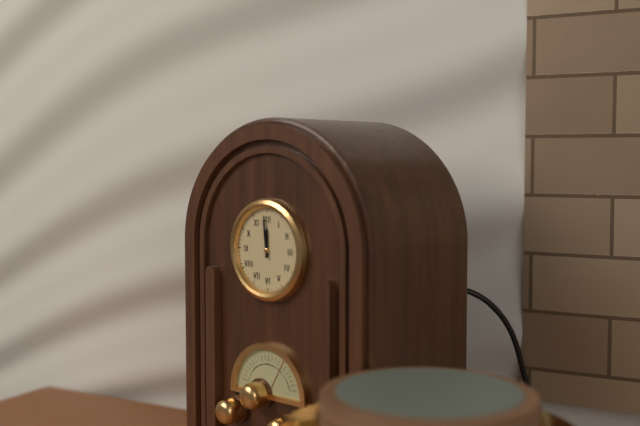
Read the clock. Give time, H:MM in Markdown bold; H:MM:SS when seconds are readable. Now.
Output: **11:59**
